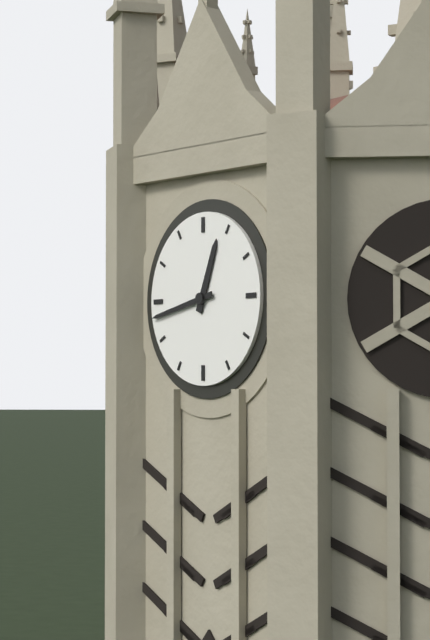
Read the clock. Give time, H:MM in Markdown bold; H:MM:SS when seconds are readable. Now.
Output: **12:43**
